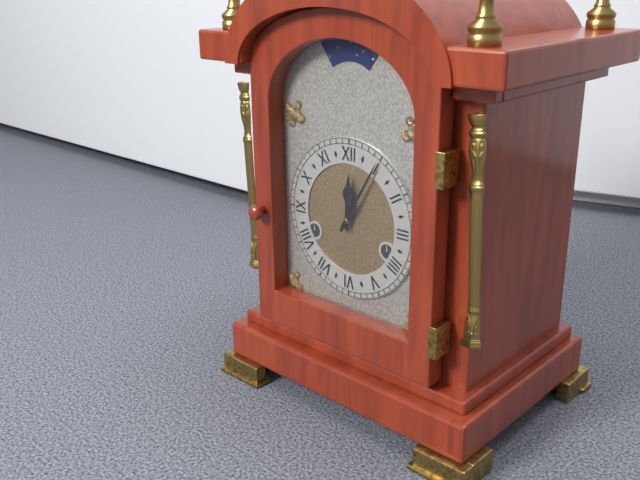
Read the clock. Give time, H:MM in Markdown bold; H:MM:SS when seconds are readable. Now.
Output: **12:05**
